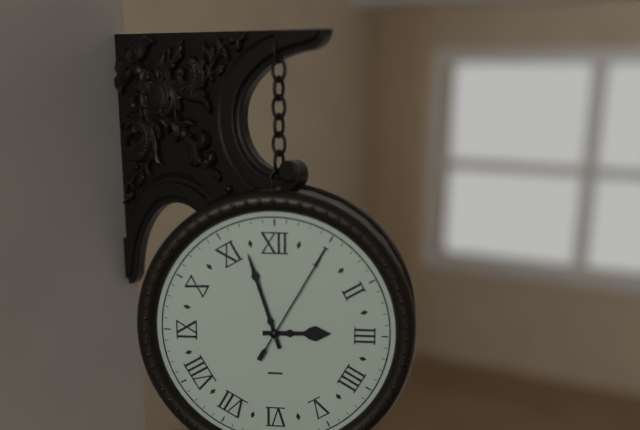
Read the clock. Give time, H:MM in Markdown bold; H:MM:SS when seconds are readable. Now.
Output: **2:57:05**
